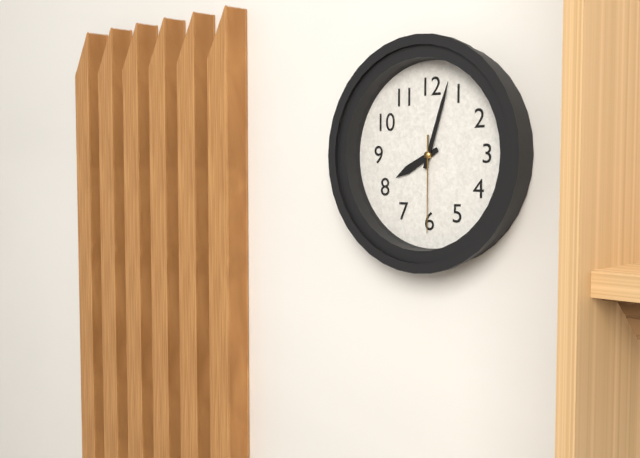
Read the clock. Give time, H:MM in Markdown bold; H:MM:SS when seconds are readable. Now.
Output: **8:03:30**
